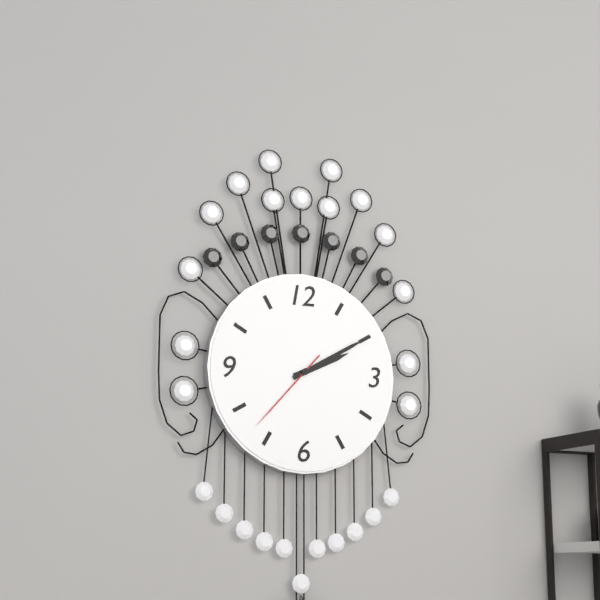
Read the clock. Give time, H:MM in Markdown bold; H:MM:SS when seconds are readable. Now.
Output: **2:10:37**
